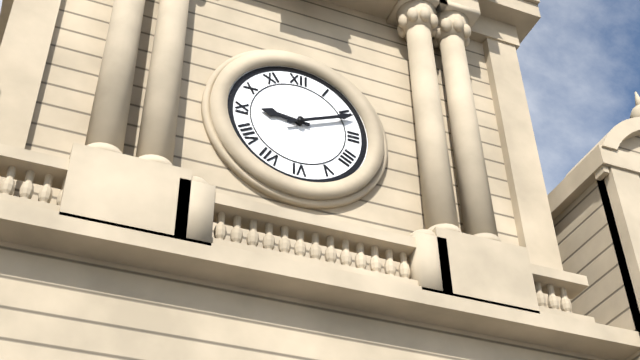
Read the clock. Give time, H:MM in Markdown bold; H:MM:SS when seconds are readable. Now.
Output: **9:11**
